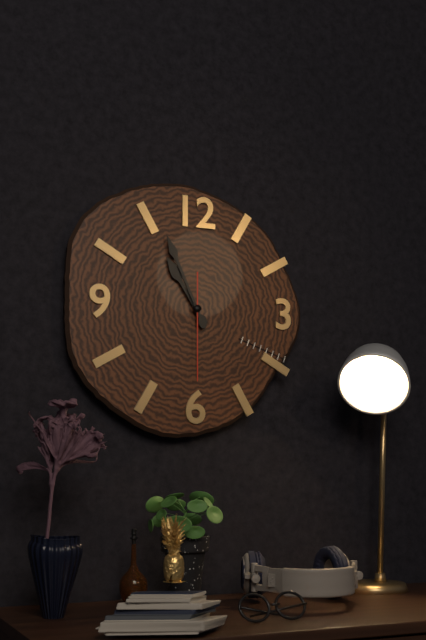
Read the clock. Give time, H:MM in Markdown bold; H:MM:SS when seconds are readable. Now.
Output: **10:56:30**
